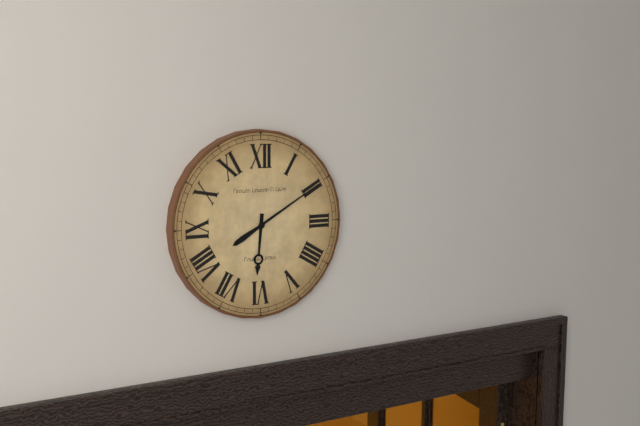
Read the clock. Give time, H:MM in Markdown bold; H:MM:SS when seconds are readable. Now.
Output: **6:10**
